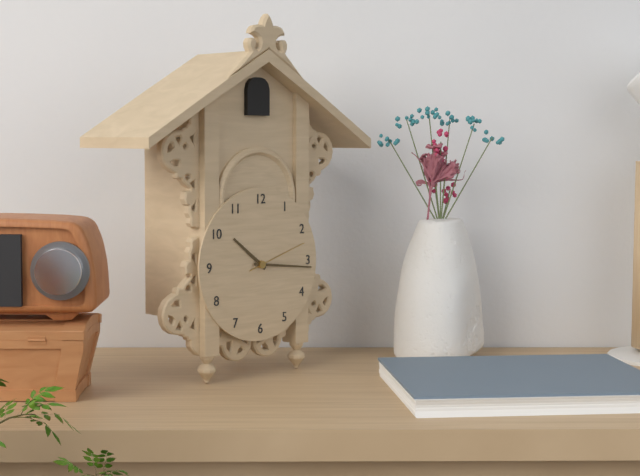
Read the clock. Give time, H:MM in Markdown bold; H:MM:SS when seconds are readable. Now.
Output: **10:16:12**
